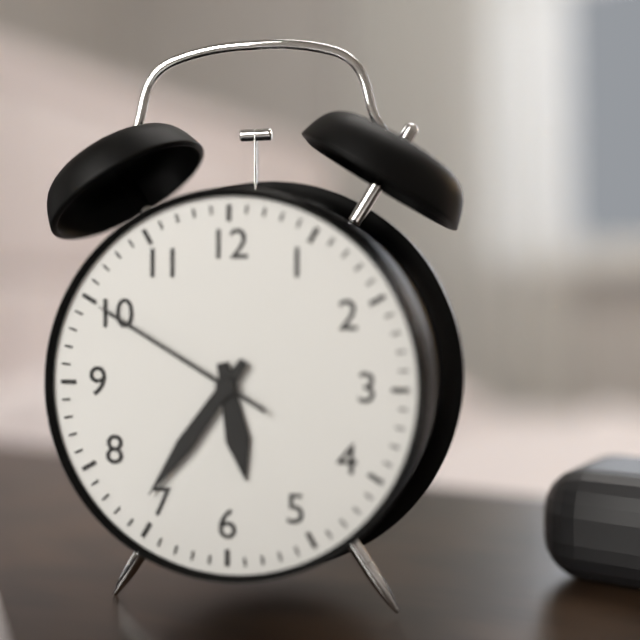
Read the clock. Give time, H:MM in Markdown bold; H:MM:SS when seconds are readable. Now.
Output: **5:36:50**
